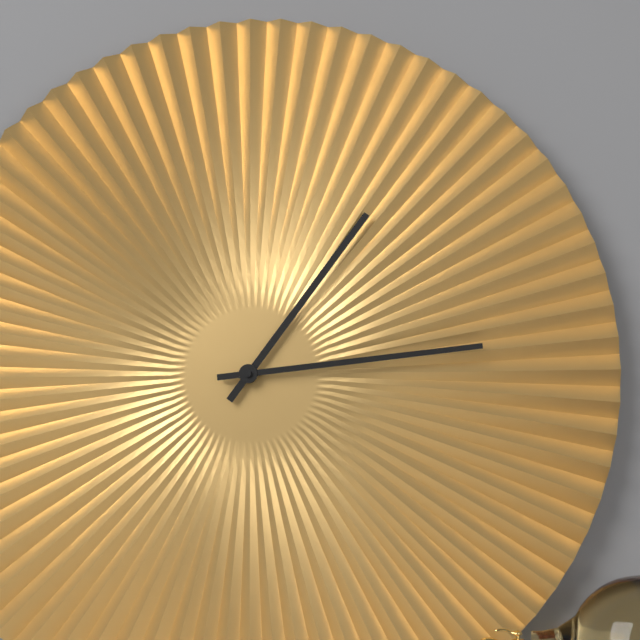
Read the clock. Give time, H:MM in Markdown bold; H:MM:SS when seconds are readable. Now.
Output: **1:14**
